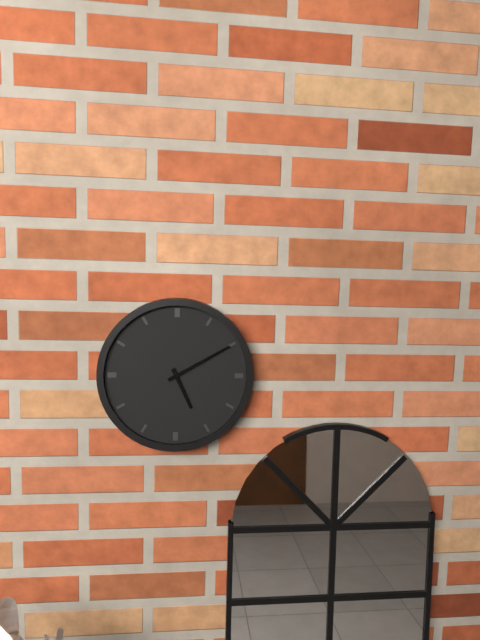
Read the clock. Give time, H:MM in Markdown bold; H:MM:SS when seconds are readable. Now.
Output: **5:10**
